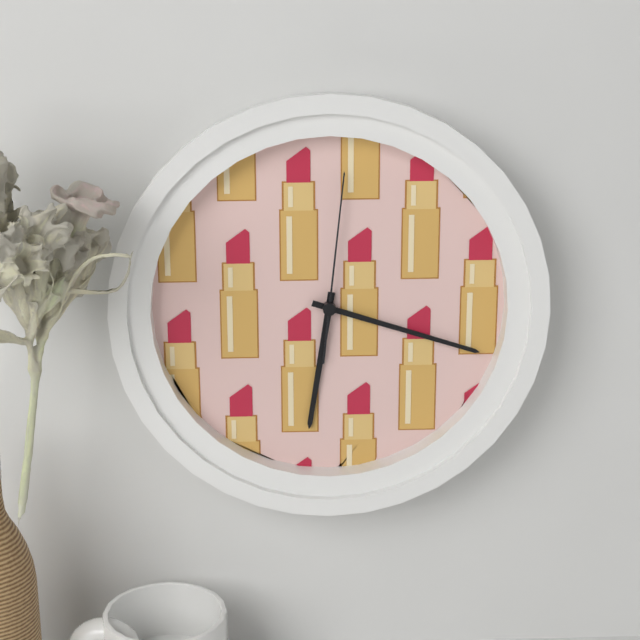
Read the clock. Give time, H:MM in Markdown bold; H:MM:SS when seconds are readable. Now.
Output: **6:18:01**
